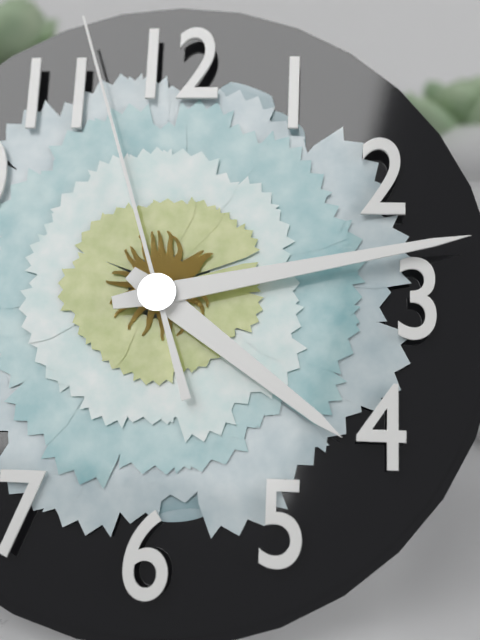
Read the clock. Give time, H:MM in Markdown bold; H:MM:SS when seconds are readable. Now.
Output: **4:13:57**
